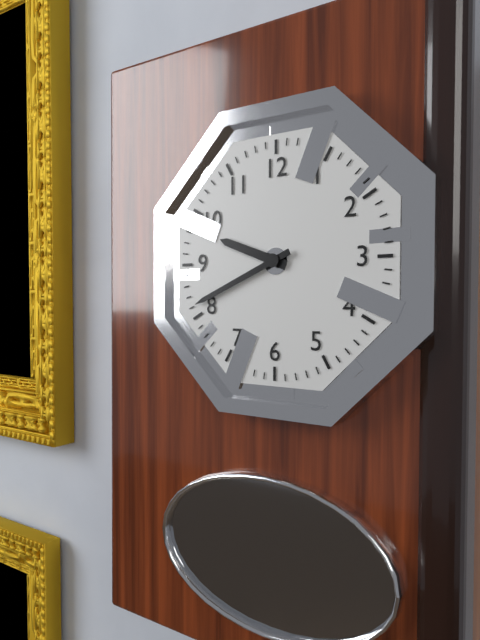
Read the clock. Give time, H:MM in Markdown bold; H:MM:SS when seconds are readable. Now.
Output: **9:41**
